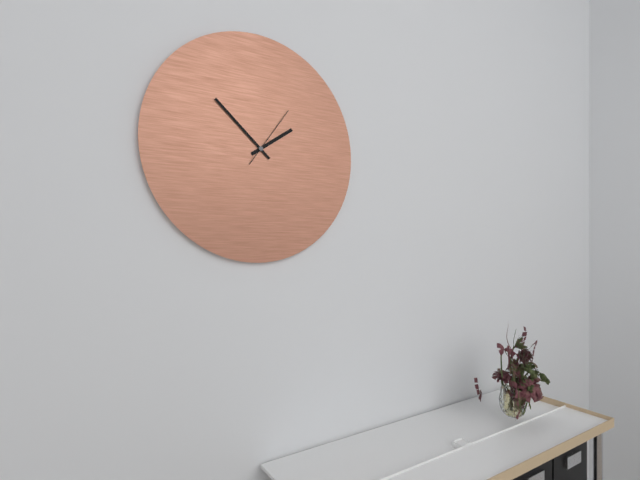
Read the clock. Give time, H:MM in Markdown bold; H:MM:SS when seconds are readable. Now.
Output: **1:52:06**
